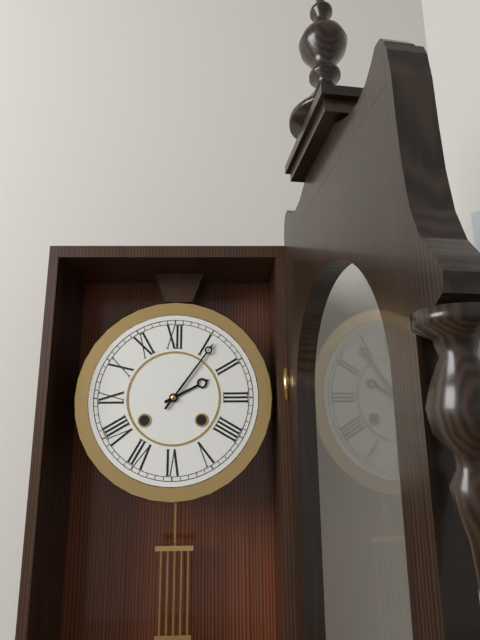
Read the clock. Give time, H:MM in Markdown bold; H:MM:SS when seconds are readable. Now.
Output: **2:06**
